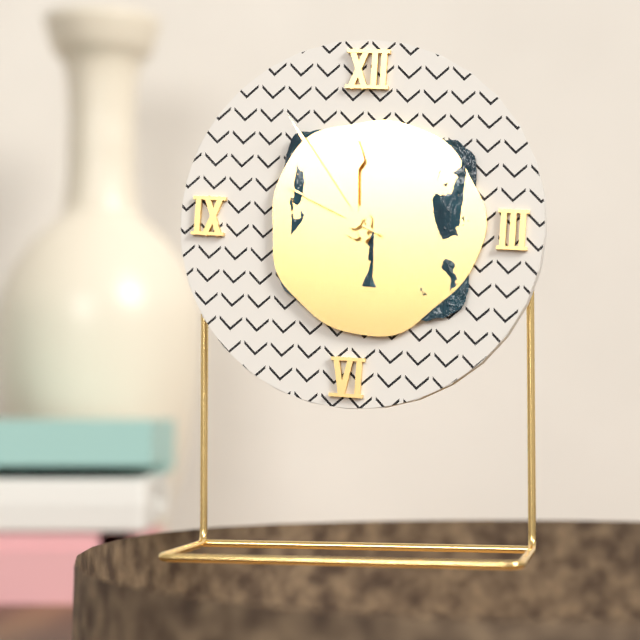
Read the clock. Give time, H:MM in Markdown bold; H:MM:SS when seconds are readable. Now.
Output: **11:54:49**
